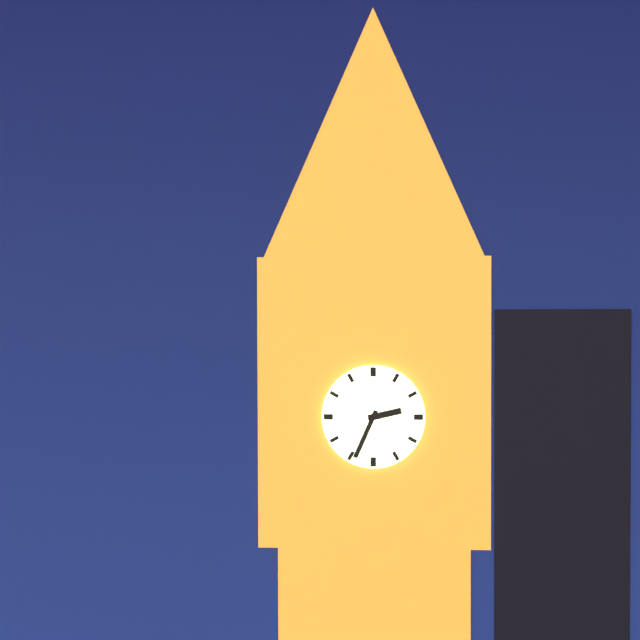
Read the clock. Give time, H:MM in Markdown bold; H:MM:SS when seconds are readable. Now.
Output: **2:34**
